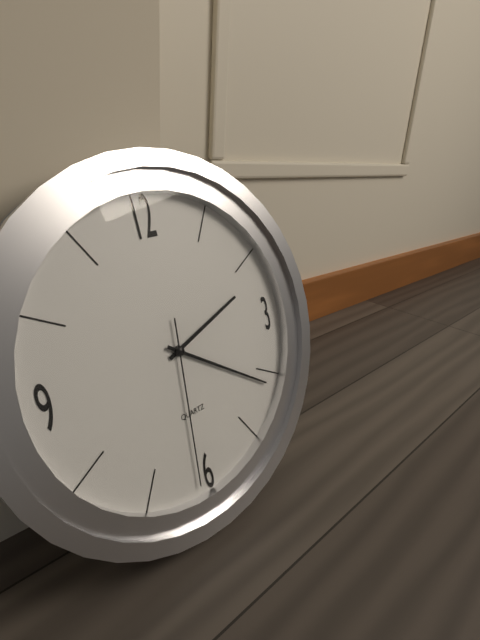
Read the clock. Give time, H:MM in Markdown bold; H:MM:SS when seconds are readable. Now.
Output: **2:21:31**
